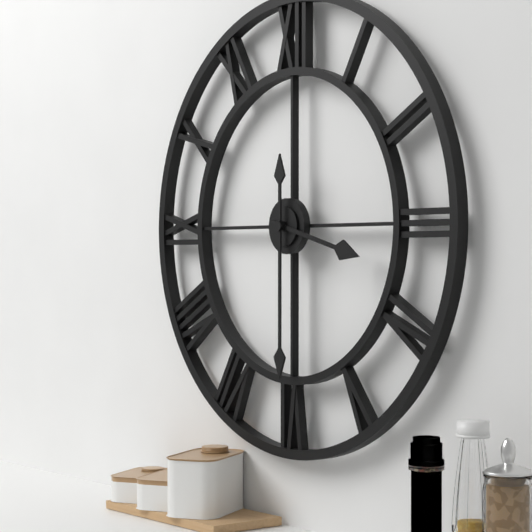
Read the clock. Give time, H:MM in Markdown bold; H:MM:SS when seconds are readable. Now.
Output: **3:30**
